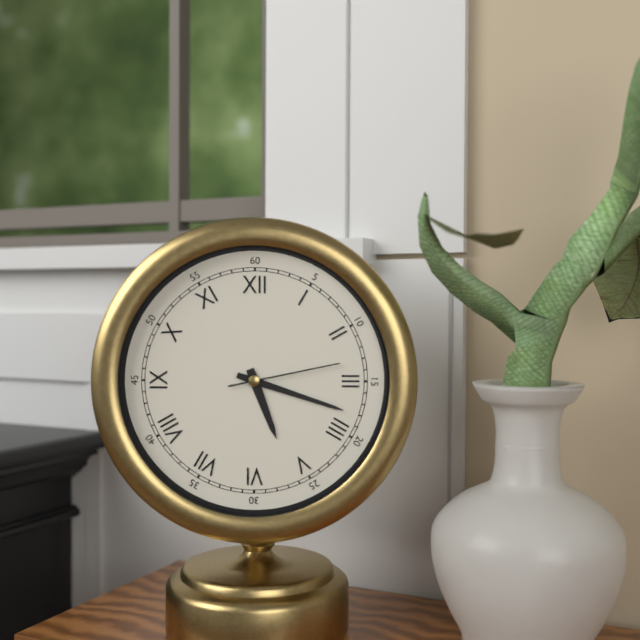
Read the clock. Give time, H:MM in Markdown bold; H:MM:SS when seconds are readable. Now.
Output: **5:18:13**
